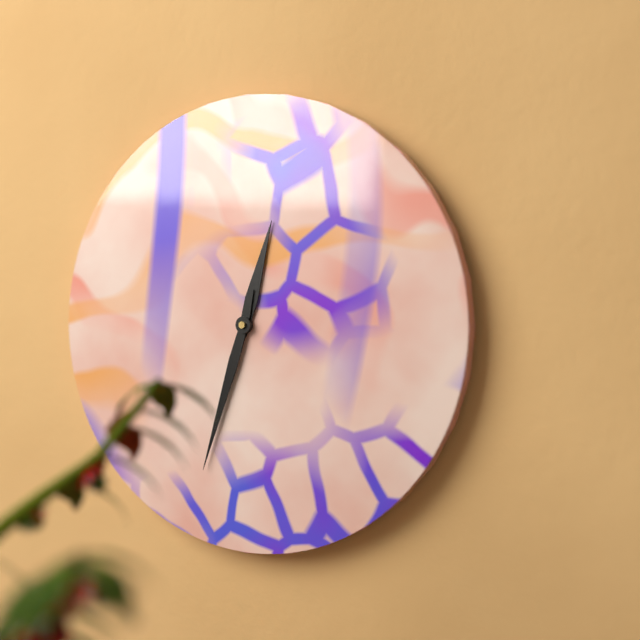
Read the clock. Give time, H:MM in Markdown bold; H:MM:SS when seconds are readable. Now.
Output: **12:33**
